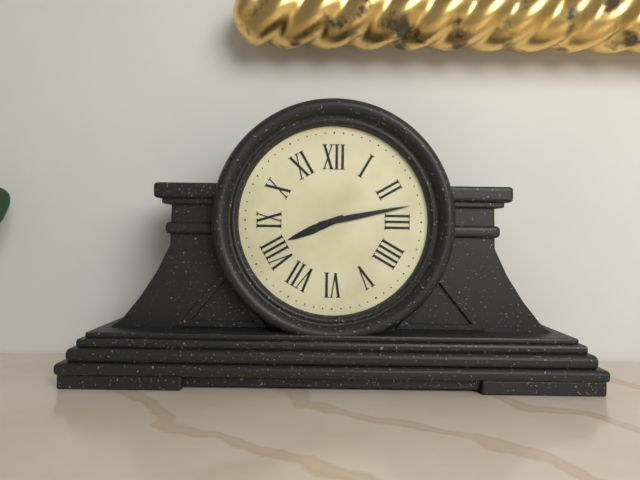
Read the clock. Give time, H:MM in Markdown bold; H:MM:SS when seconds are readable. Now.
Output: **8:13**
